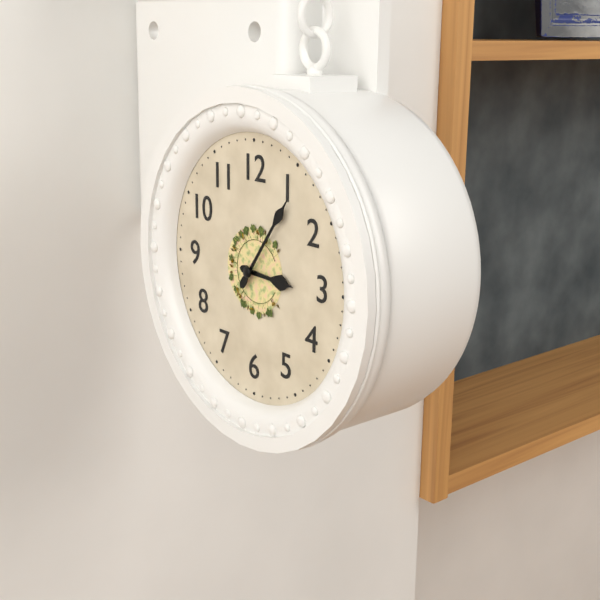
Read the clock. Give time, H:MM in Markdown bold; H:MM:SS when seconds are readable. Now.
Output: **3:06**
